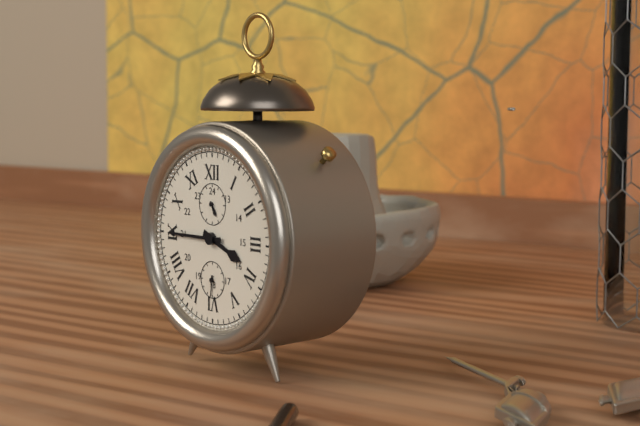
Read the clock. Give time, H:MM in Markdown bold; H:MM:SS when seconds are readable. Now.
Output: **3:45:31**
